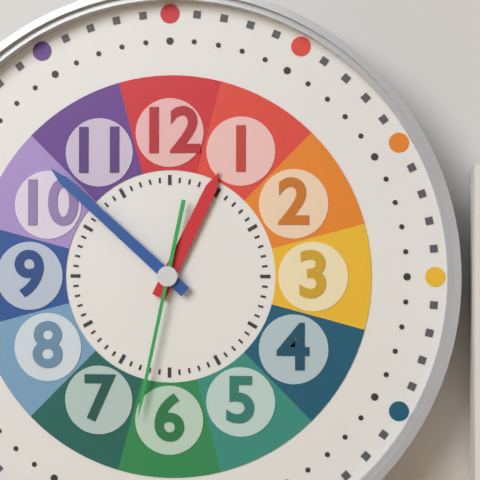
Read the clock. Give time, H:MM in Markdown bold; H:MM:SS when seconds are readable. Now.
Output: **12:52:32**
